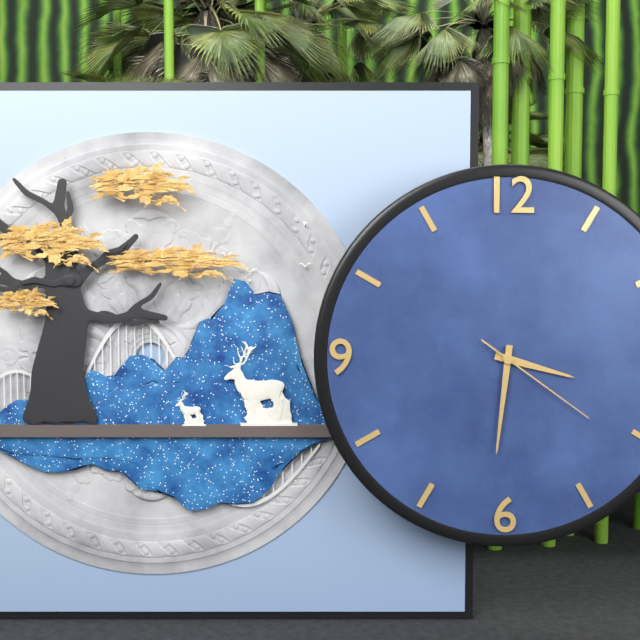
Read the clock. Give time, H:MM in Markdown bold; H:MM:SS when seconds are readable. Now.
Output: **3:31:21**
